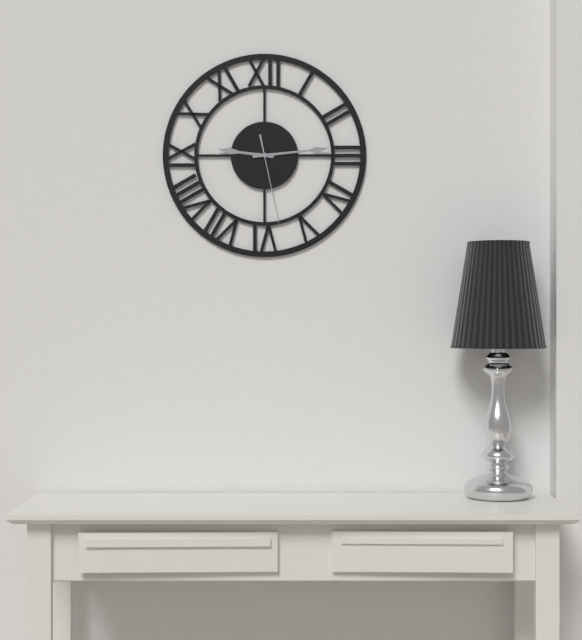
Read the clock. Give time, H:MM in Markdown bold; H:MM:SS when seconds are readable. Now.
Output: **9:14:28**
